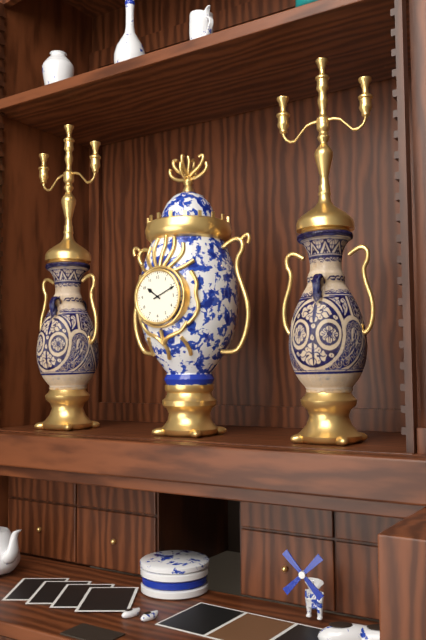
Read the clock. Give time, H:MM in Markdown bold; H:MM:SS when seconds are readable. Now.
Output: **10:11**
